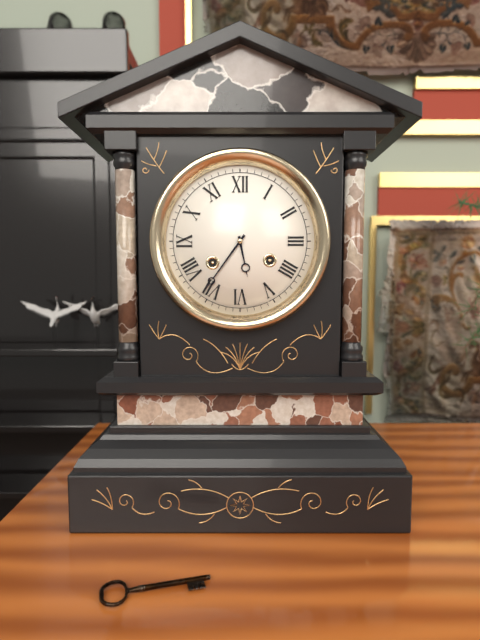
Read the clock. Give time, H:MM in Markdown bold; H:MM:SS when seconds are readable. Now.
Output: **5:36**
